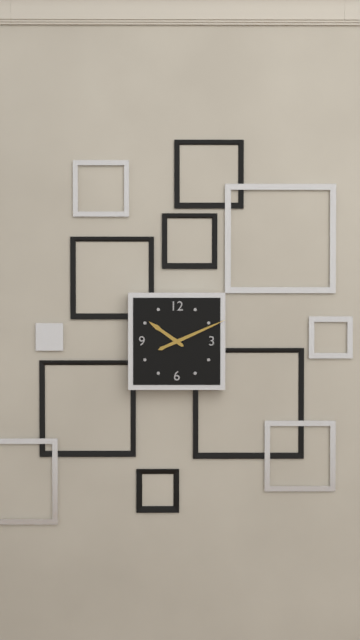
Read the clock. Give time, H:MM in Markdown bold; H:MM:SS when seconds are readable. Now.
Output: **10:11**
